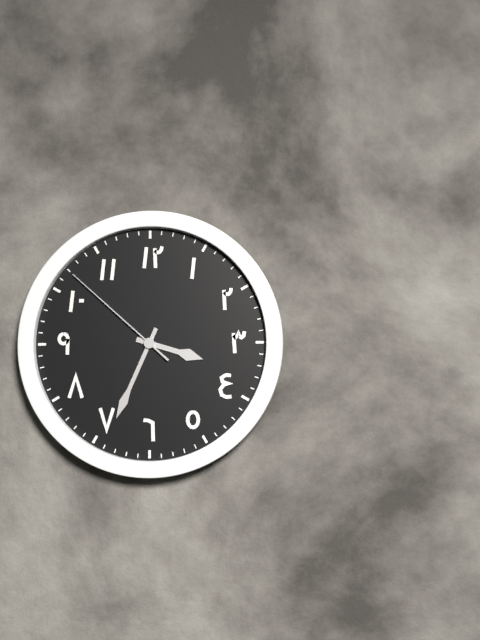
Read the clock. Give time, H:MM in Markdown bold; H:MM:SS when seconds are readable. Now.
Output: **3:34:52**
